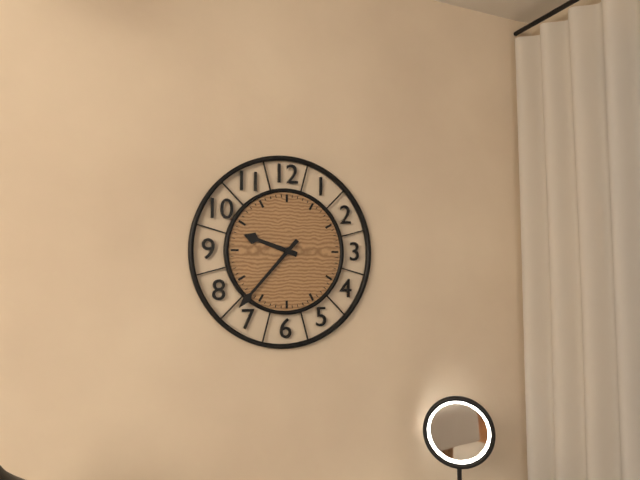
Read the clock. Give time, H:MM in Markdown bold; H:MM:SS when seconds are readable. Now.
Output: **9:37**
